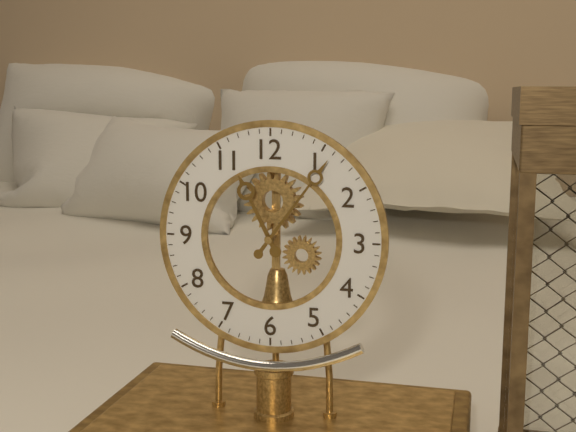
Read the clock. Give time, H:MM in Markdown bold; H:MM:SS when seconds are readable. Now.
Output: **11:06**
